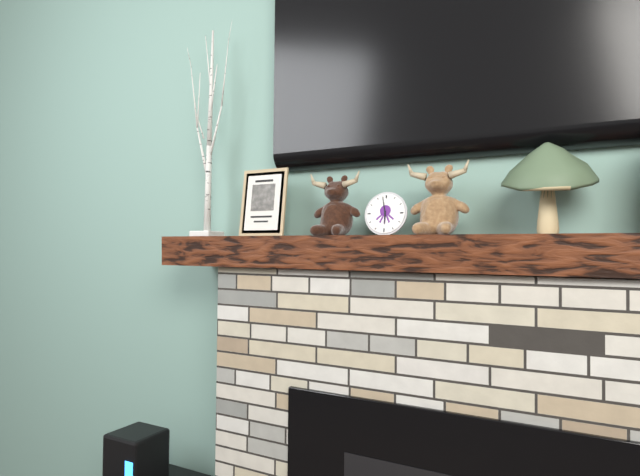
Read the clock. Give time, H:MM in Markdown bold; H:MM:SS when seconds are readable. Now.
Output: **5:58**
